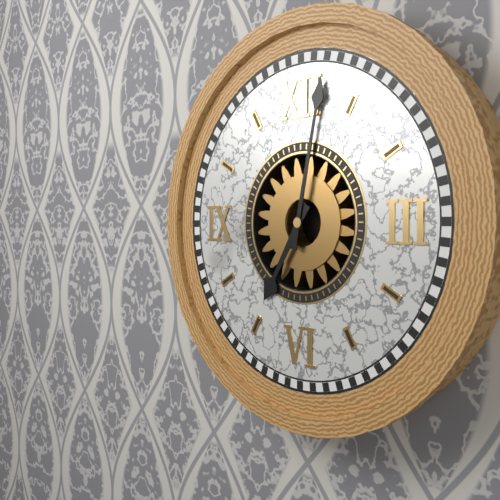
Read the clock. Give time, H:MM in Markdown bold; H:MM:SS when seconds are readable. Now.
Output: **7:02**
